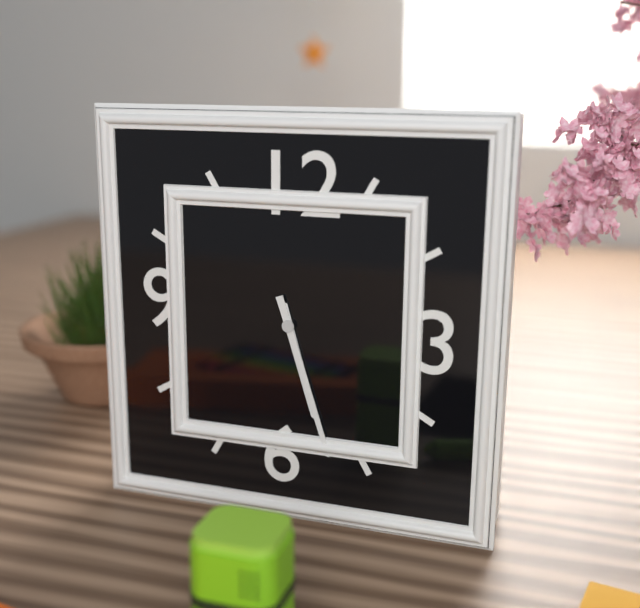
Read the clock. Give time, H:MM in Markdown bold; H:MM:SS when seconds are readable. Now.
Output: **5:27**
